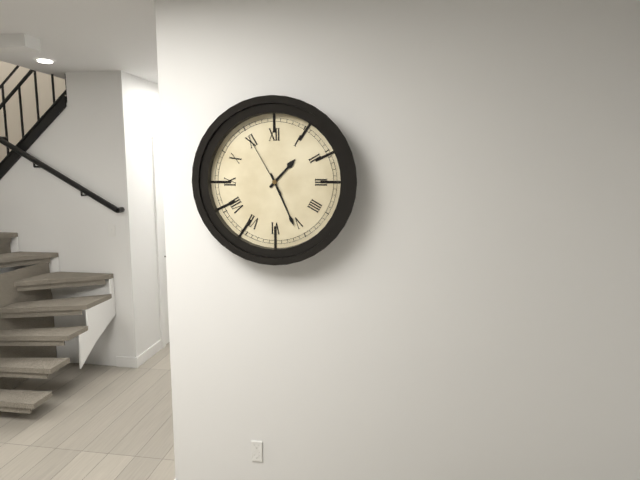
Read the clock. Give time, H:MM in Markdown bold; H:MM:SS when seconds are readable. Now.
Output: **1:26:55**
